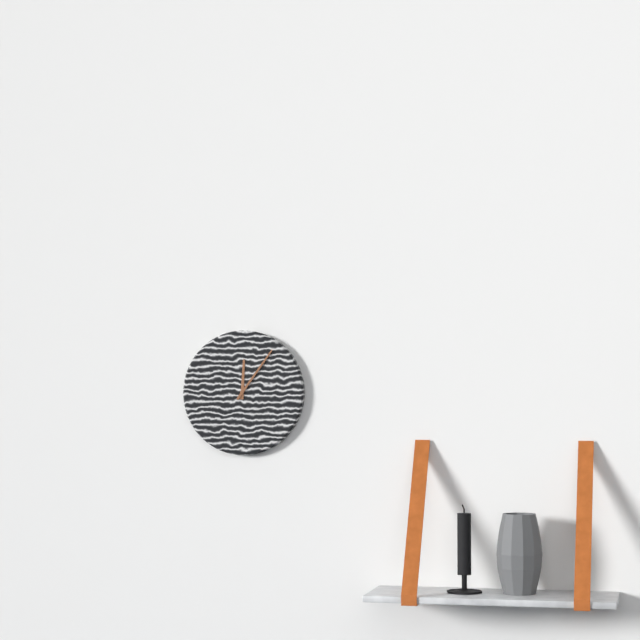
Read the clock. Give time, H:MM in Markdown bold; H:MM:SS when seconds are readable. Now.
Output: **12:06**
